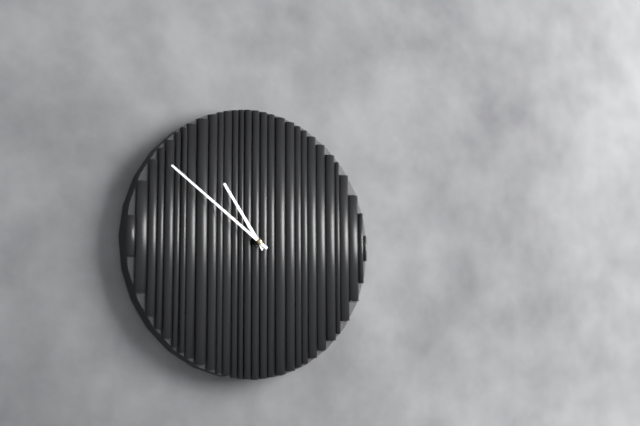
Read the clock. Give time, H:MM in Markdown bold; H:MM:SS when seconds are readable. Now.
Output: **10:51**
